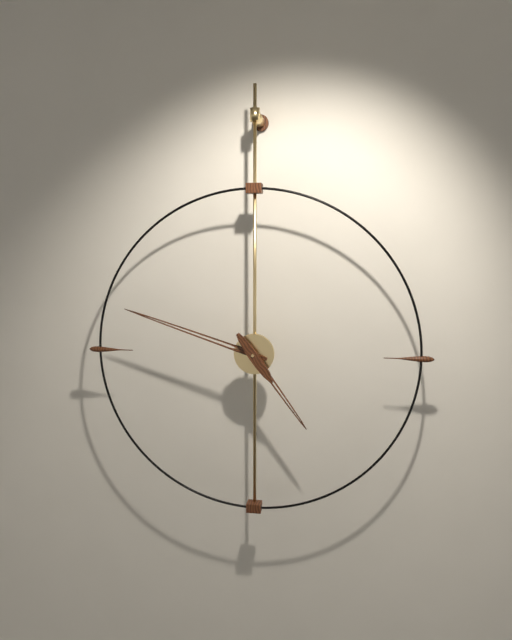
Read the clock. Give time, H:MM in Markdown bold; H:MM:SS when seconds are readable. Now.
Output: **4:48**
